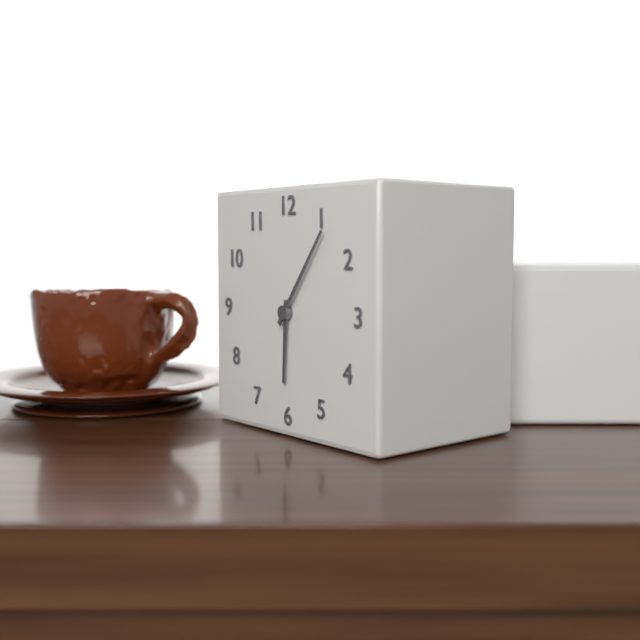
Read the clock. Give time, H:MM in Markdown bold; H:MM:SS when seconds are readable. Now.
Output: **6:06**
